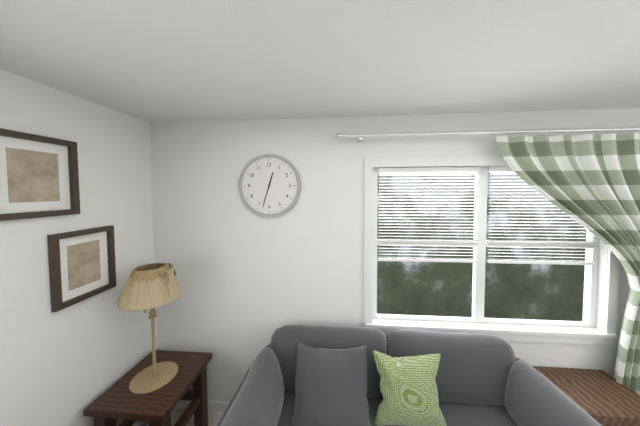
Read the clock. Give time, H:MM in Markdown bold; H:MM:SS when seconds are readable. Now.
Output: **12:33**
